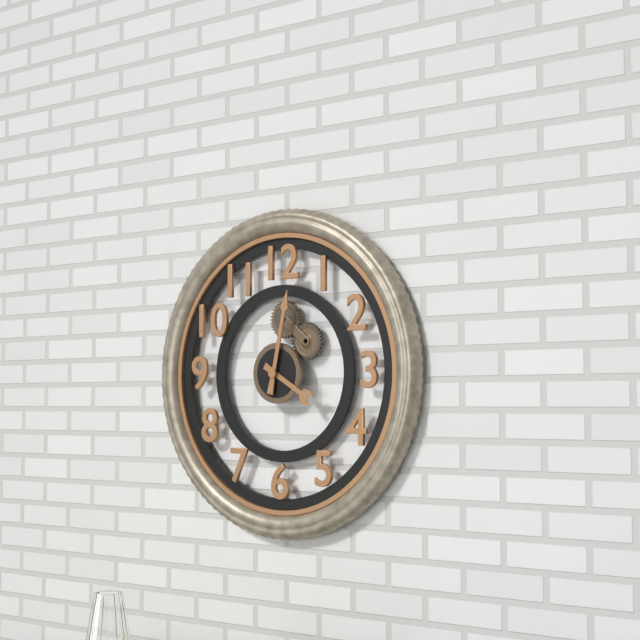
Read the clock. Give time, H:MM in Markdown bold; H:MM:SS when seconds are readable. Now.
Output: **4:02**
